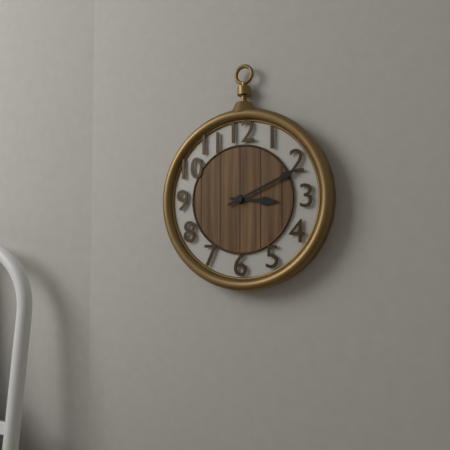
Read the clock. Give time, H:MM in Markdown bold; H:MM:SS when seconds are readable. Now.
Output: **3:11**
